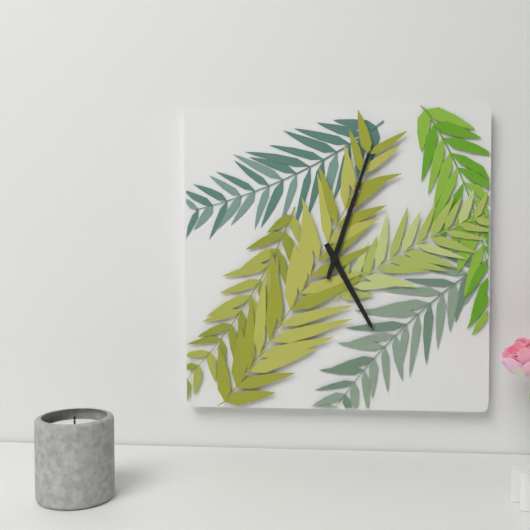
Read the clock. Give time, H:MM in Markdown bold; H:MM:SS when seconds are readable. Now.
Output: **5:03**
